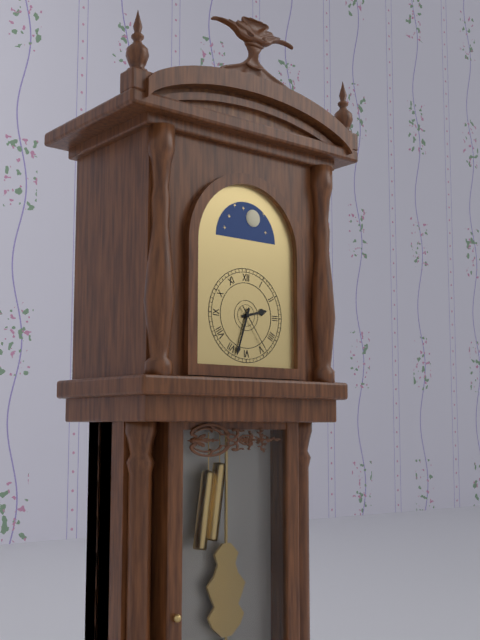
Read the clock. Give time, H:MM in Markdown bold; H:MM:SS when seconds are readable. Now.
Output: **2:33:24**
